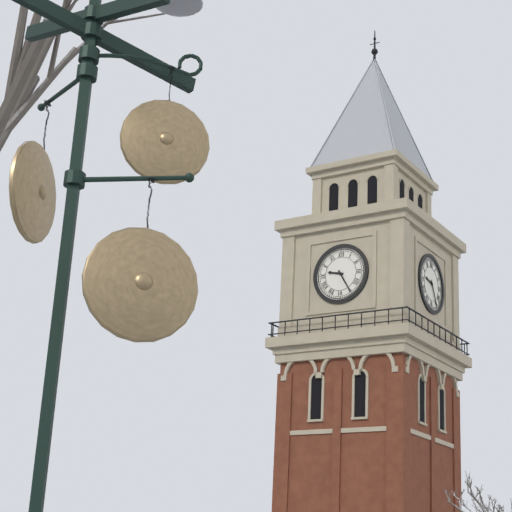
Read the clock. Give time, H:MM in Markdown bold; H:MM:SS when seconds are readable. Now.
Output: **9:25**
